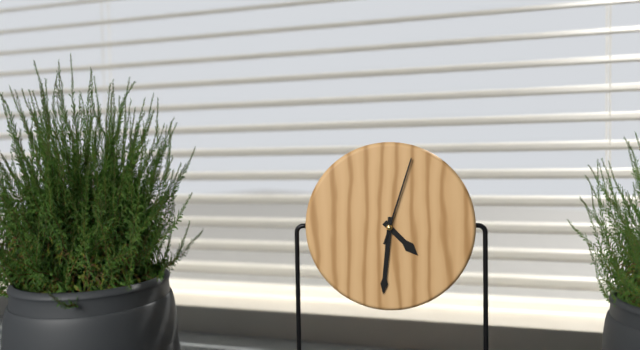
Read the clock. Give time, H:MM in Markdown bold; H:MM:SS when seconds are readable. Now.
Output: **4:31:03**
